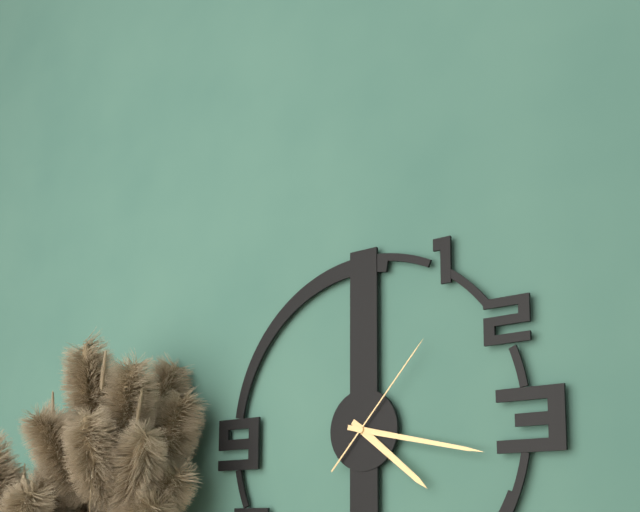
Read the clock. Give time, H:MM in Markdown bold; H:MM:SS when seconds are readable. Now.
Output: **4:17:07**
